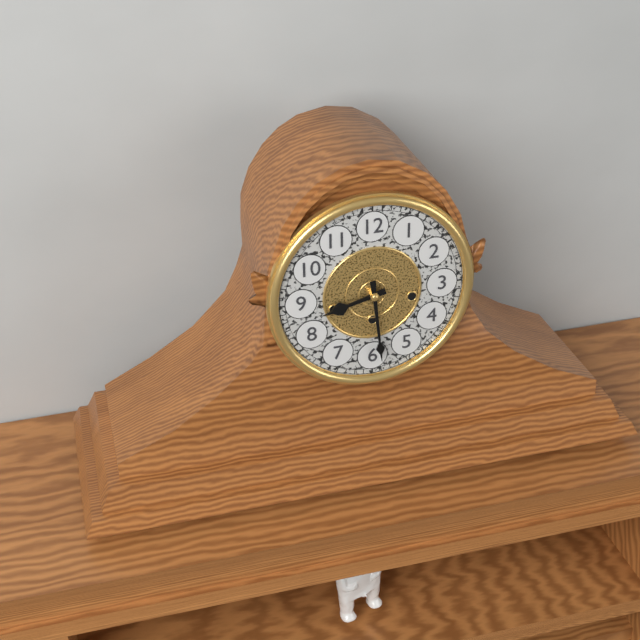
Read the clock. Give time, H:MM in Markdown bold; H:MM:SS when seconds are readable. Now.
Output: **8:29**
